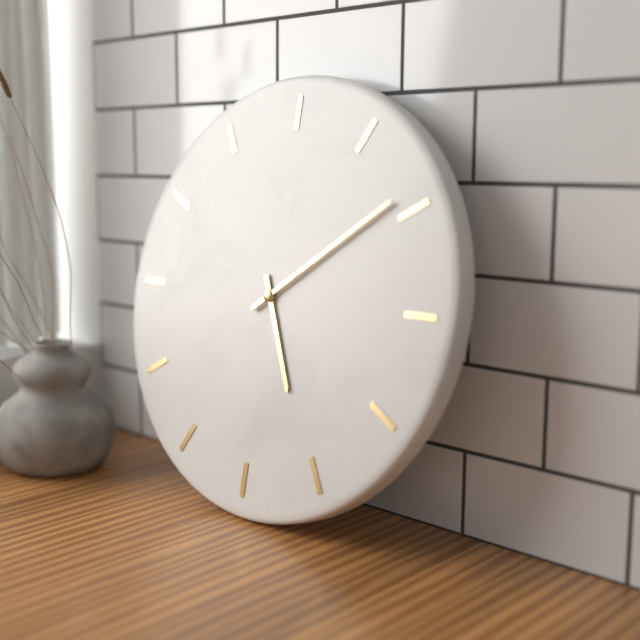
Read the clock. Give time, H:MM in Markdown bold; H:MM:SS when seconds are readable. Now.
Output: **5:09**
